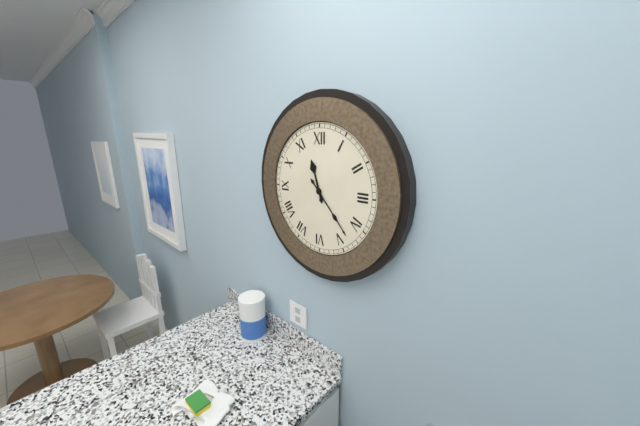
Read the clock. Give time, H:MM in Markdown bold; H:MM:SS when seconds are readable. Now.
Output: **11:23**
